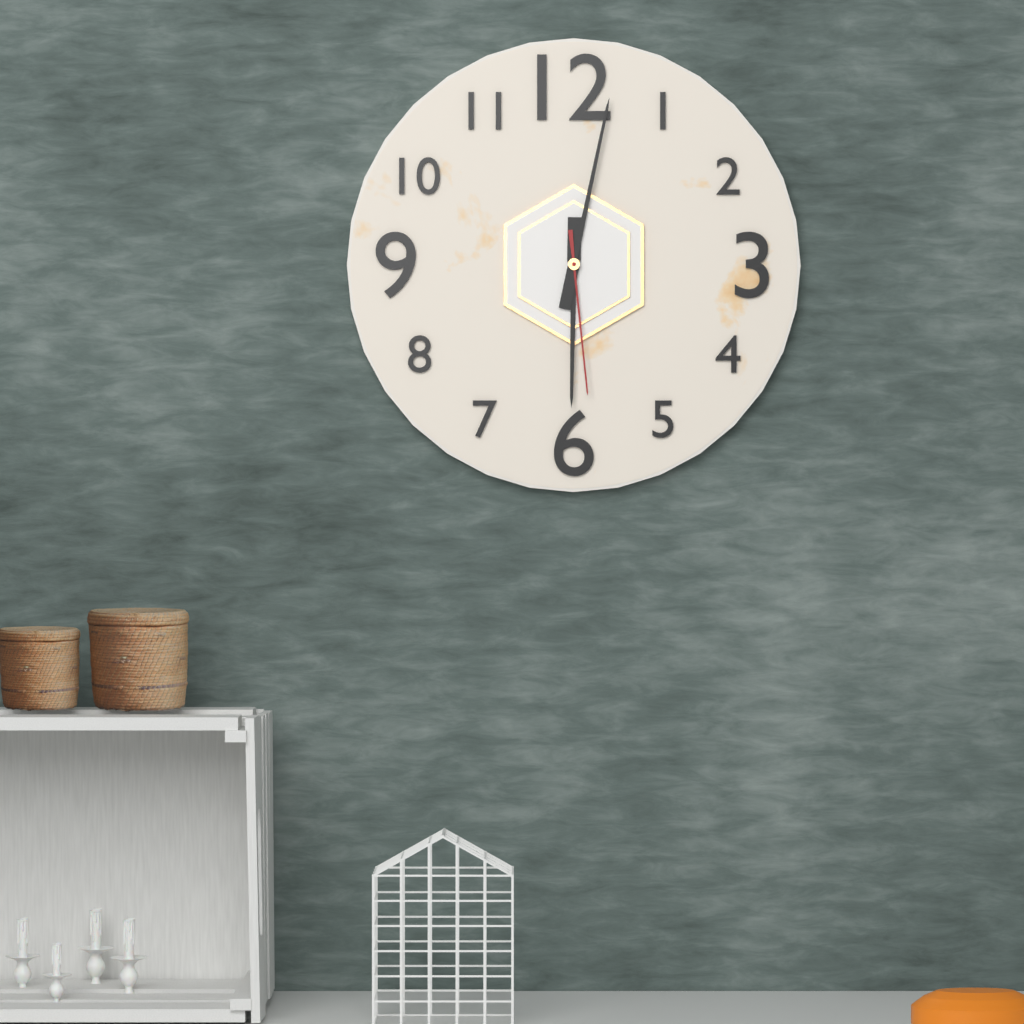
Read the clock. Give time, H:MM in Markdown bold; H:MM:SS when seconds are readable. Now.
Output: **6:02:29**
